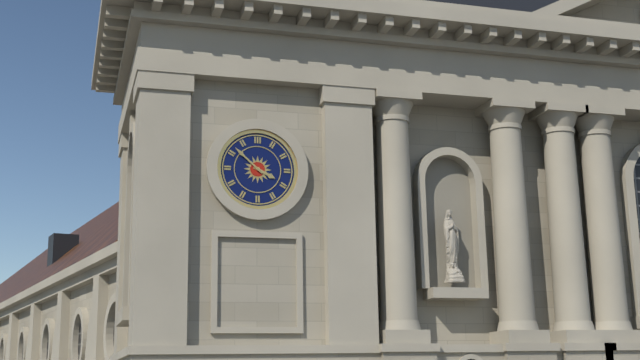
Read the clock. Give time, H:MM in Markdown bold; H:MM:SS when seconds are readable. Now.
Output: **3:52**
